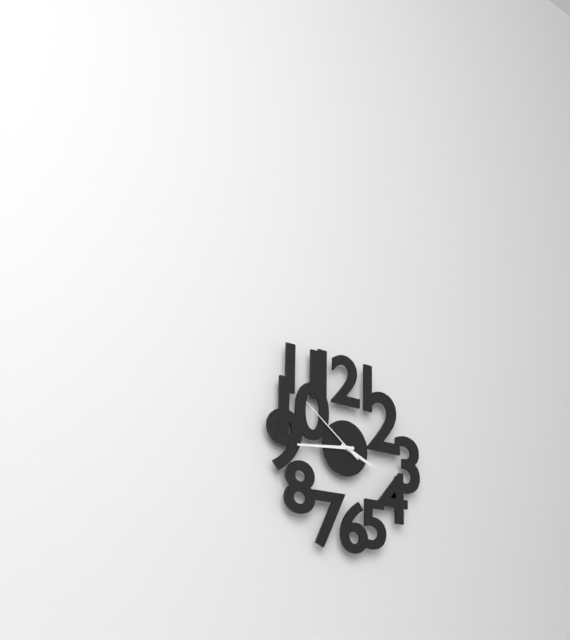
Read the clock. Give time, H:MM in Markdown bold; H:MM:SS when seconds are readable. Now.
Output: **3:44:51**
